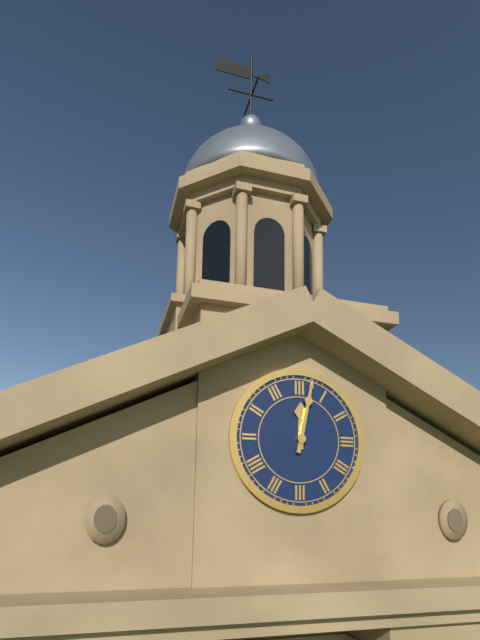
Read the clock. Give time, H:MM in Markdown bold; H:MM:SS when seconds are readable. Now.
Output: **12:02**
